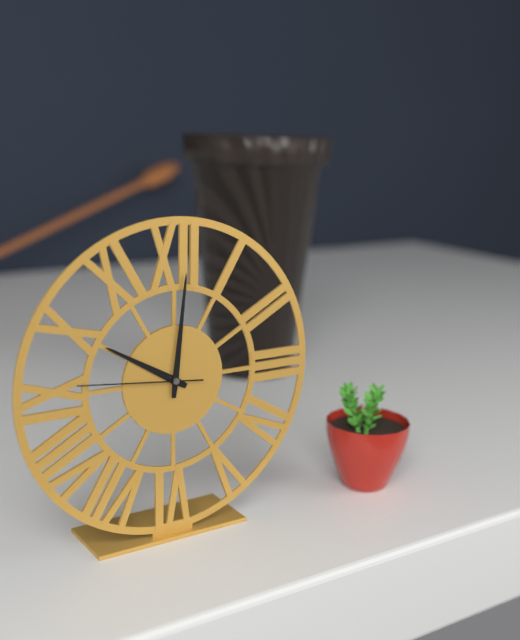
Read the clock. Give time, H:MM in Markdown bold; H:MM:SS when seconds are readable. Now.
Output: **10:01:46**
